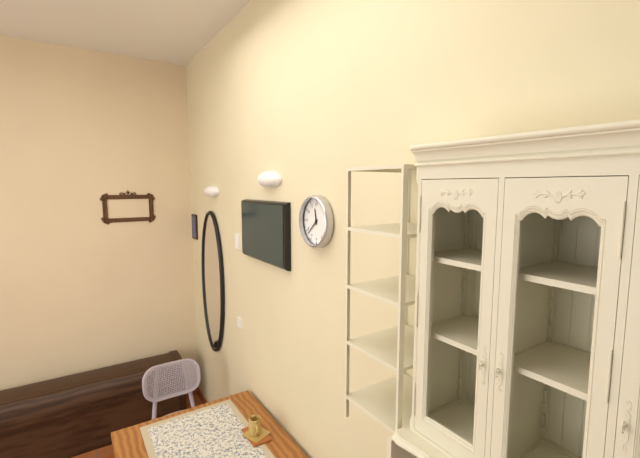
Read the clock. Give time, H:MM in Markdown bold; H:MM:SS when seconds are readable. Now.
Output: **11:38**
